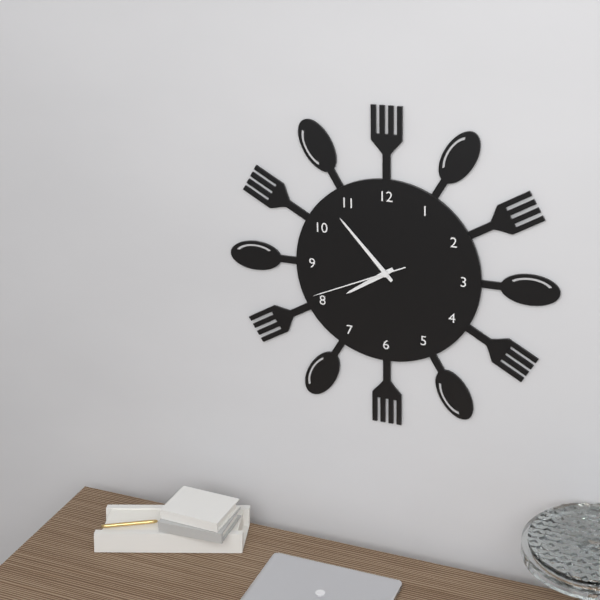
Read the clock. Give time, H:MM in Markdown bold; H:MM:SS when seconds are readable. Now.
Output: **7:53:41**
